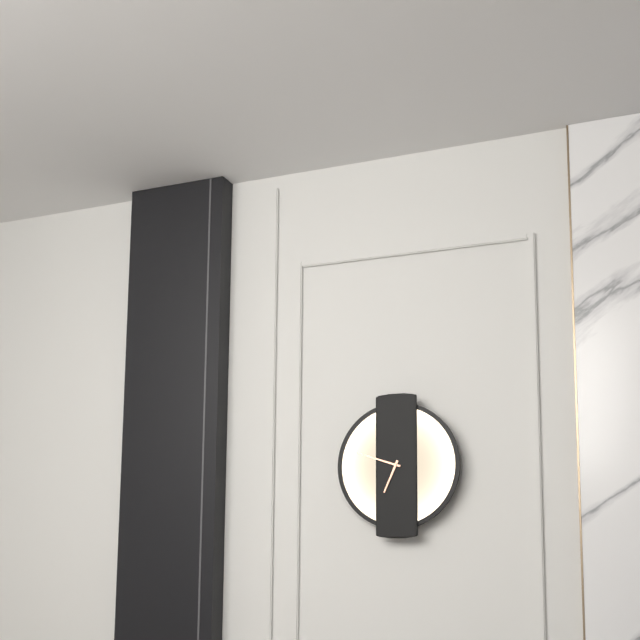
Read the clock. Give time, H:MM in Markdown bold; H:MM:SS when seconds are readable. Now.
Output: **6:48**
